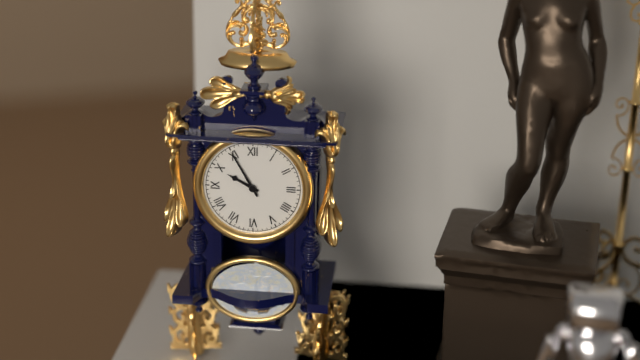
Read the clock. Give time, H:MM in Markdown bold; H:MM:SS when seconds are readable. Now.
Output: **9:55**
